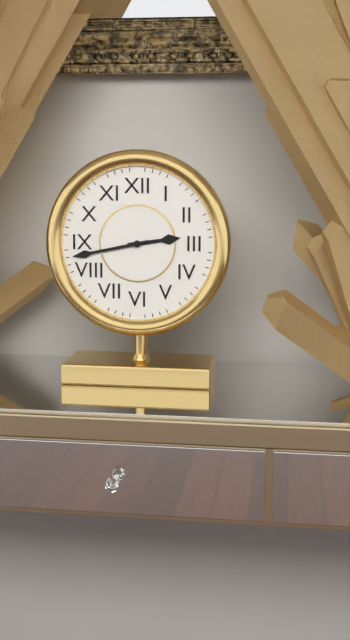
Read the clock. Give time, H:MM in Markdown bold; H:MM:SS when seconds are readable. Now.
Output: **2:43**
